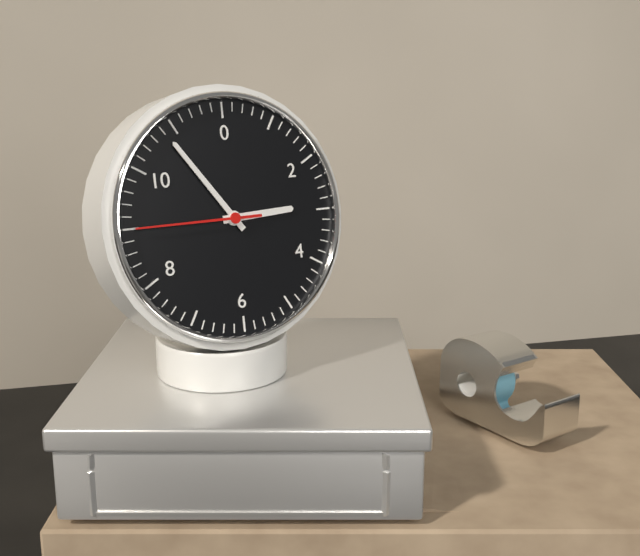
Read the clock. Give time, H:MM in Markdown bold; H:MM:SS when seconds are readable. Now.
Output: **2:54:45**
